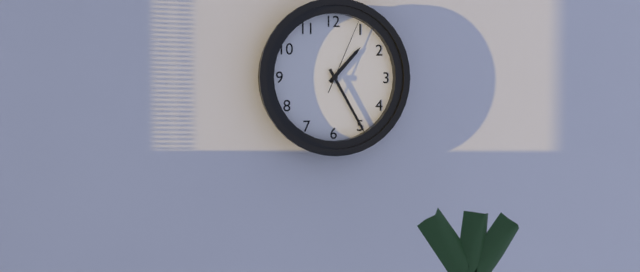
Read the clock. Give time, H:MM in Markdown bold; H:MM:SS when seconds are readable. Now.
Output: **1:25:04**
